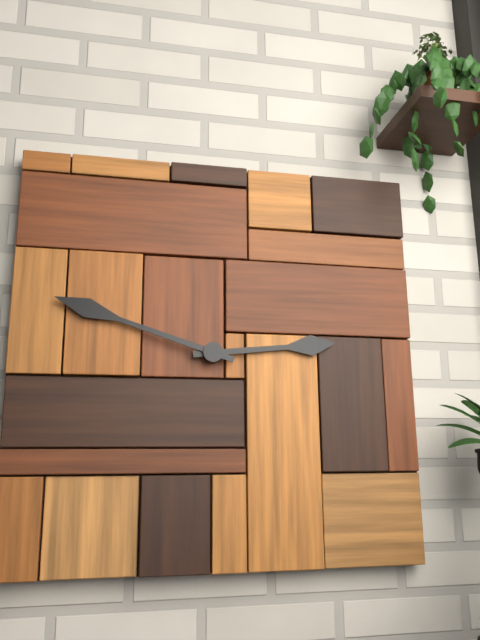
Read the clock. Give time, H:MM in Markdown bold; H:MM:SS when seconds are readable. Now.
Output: **2:48**
